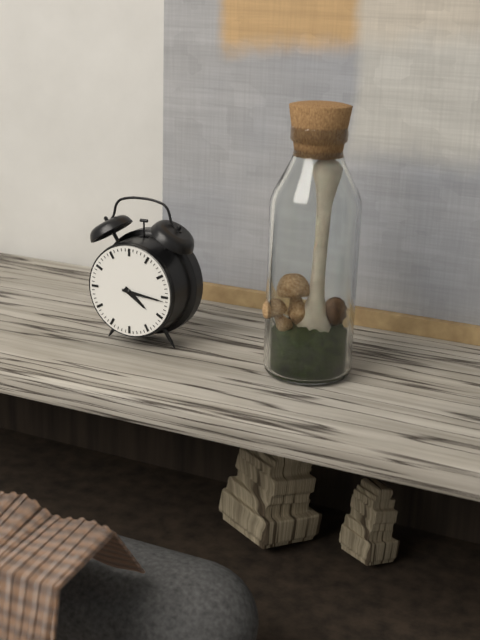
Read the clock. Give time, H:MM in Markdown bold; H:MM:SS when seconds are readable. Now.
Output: **4:16**
